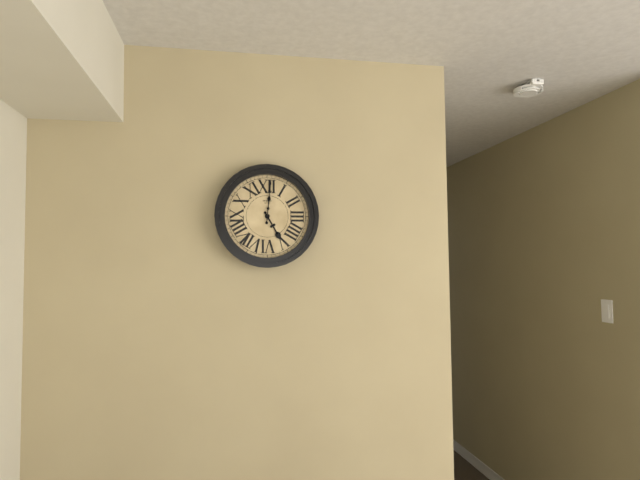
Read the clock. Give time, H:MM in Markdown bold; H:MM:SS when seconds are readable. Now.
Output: **5:01**
